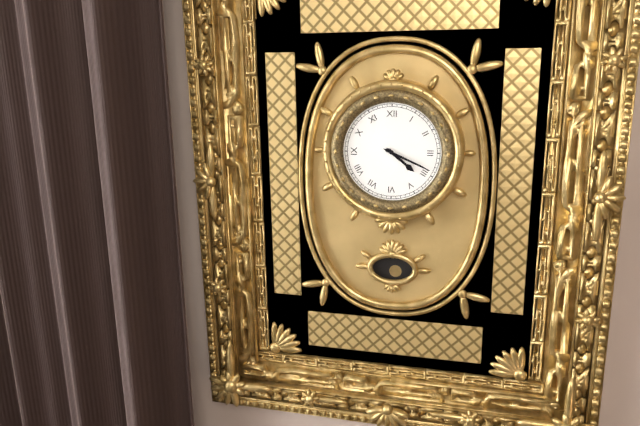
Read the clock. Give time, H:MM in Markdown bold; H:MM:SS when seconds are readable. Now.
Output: **4:19**
